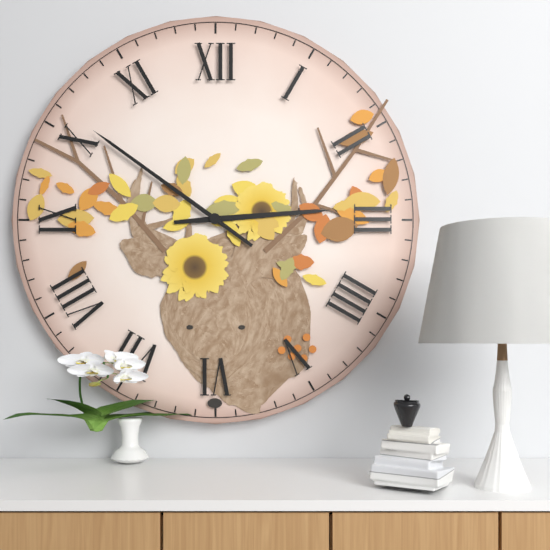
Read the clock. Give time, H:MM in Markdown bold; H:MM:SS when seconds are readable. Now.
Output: **2:51**
